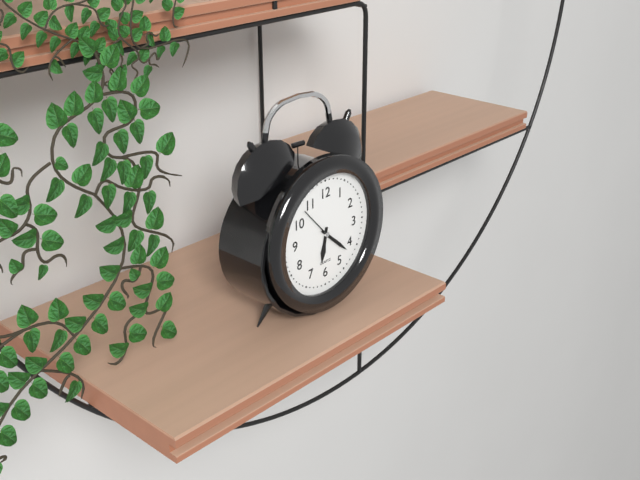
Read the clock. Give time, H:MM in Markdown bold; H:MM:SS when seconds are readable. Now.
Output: **6:22**
